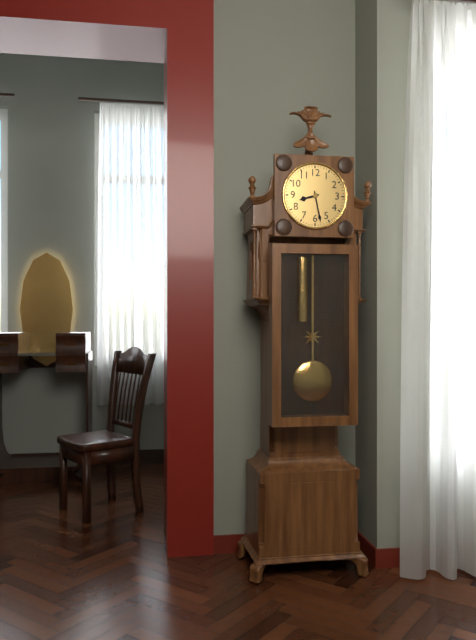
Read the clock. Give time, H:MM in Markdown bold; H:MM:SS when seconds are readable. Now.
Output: **8:28**
